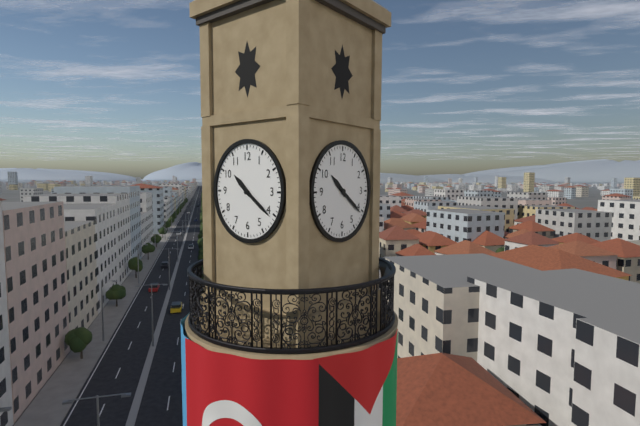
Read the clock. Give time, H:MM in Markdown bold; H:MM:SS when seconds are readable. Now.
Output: **10:21**
